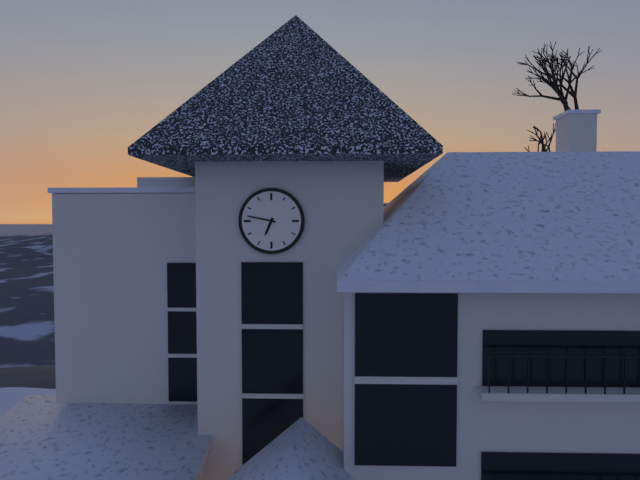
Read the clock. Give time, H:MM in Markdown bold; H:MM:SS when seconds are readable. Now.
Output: **6:47**
